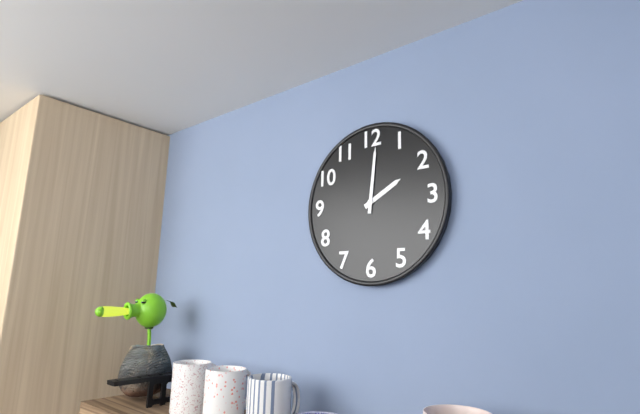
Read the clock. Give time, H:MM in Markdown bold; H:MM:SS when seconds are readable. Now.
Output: **2:01**
